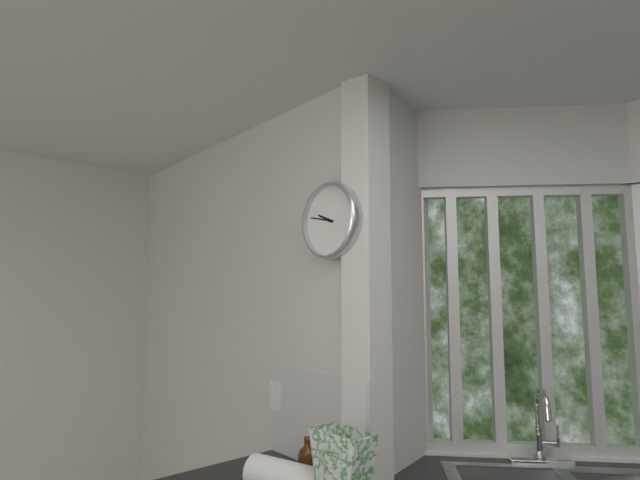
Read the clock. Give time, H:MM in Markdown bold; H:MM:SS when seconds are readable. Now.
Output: **9:47**
